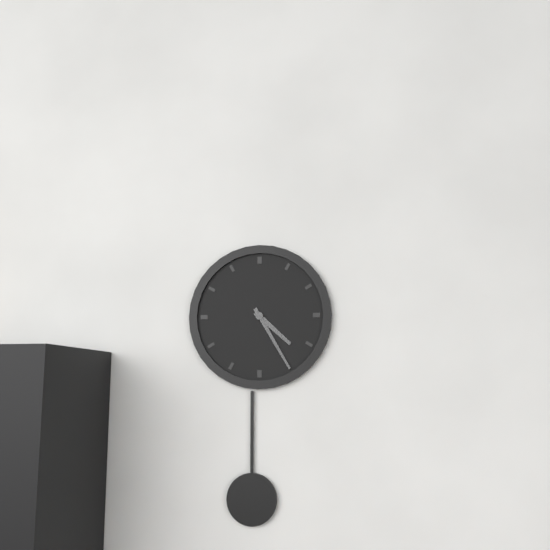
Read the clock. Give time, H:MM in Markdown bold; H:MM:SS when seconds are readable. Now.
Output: **4:25**
